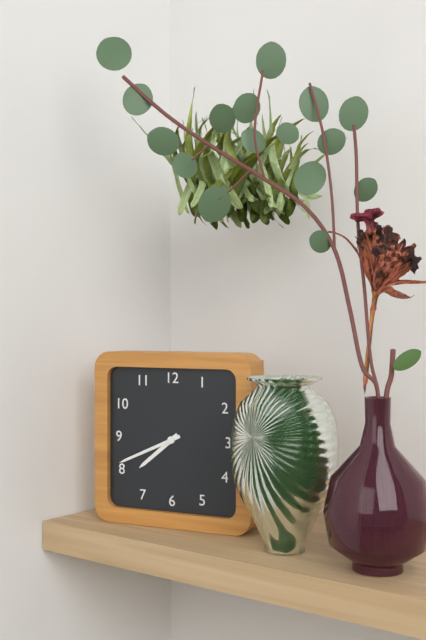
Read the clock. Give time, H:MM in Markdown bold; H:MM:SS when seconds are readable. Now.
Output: **7:41**
